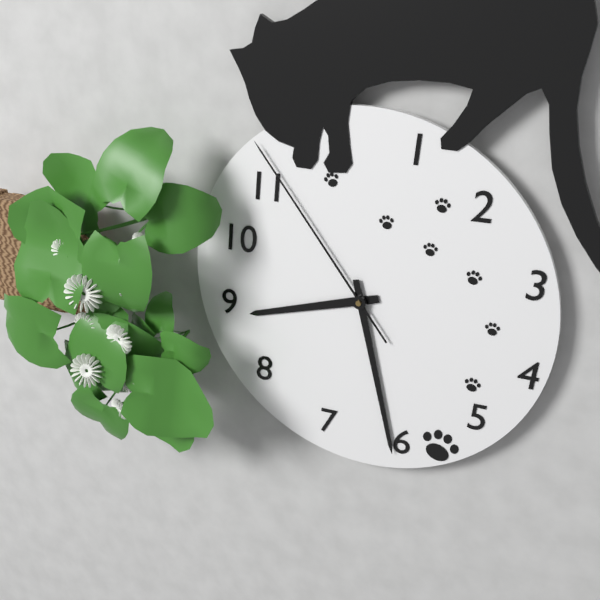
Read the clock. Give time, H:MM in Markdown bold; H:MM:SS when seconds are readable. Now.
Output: **8:28:54**
